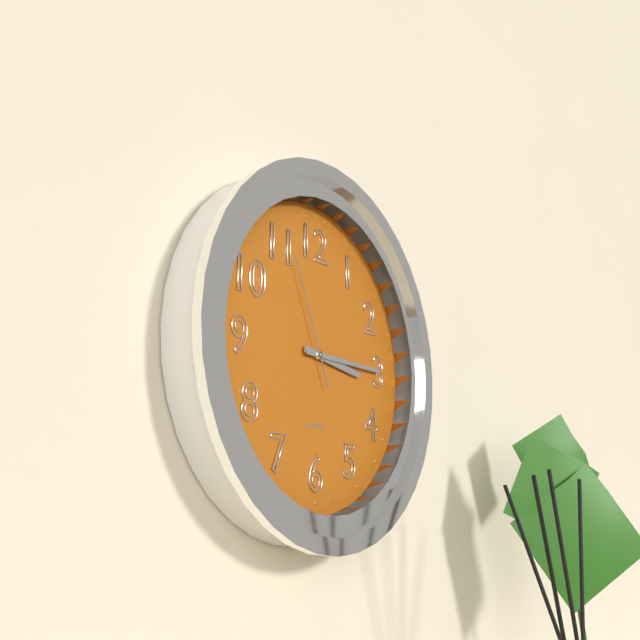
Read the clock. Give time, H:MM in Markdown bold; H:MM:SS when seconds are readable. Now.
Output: **3:15:56**
